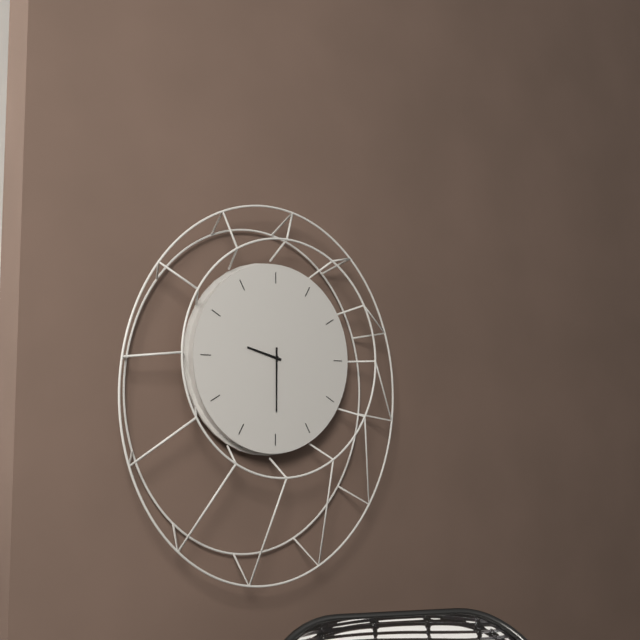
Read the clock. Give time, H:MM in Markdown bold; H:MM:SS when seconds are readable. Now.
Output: **9:30**
